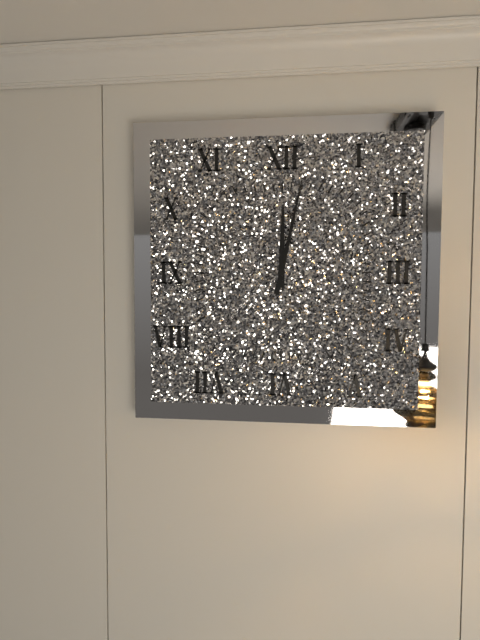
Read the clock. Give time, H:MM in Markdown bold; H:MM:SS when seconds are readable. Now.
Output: **12:02**
